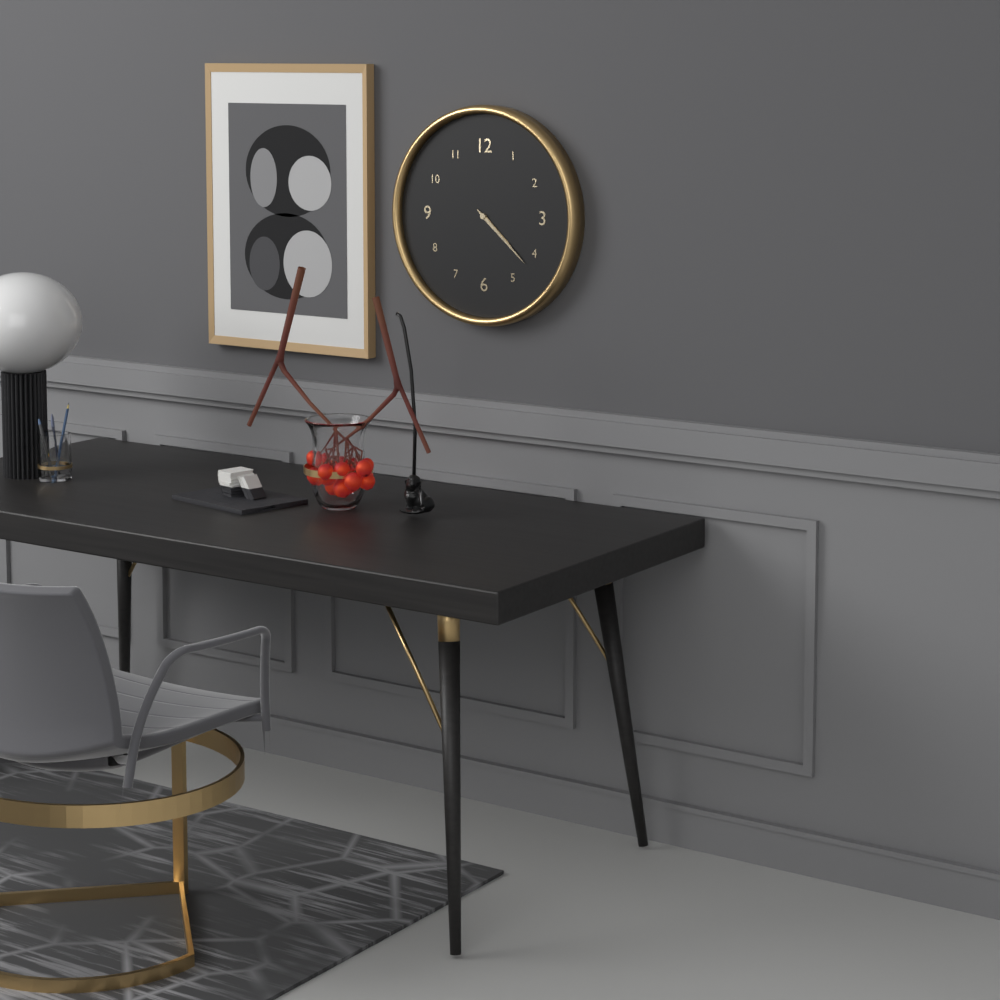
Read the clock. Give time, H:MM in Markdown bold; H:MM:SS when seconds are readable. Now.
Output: **4:22**
